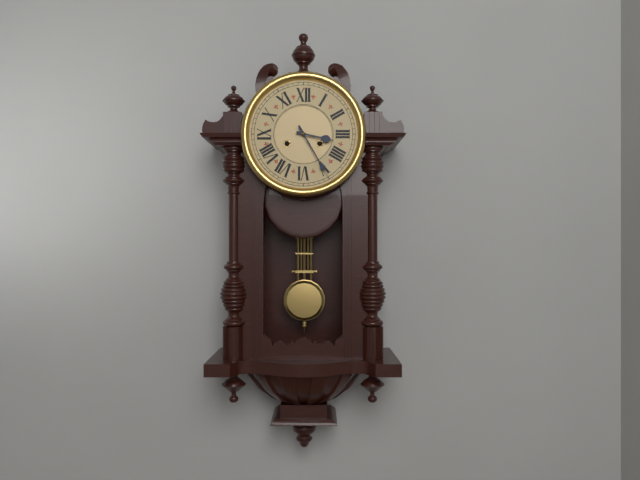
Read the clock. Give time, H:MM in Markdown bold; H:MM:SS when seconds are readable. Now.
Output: **3:25**
